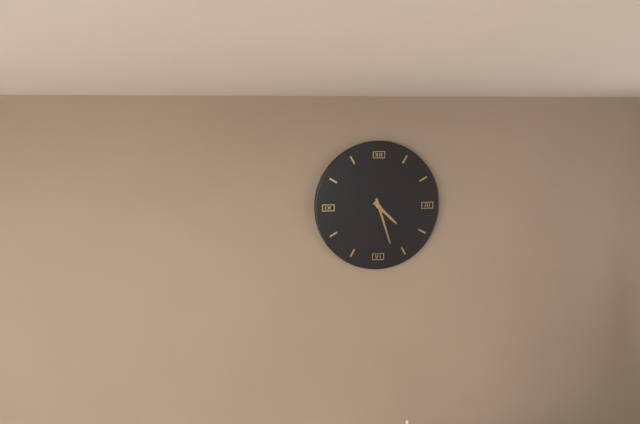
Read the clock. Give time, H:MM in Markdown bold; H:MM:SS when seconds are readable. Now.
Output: **4:27**
